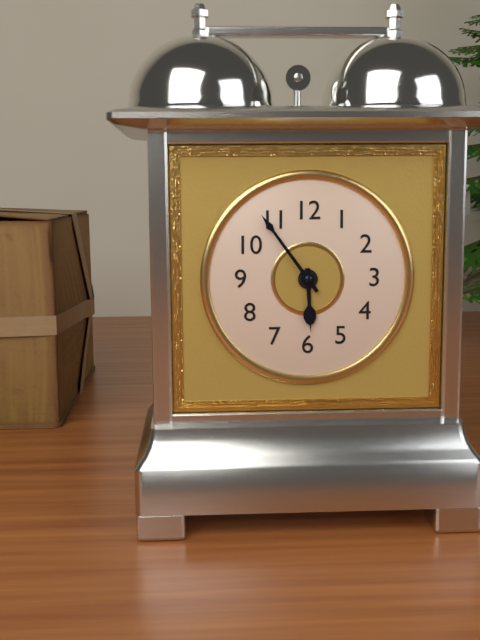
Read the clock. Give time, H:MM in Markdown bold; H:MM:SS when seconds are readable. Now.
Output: **5:54**
